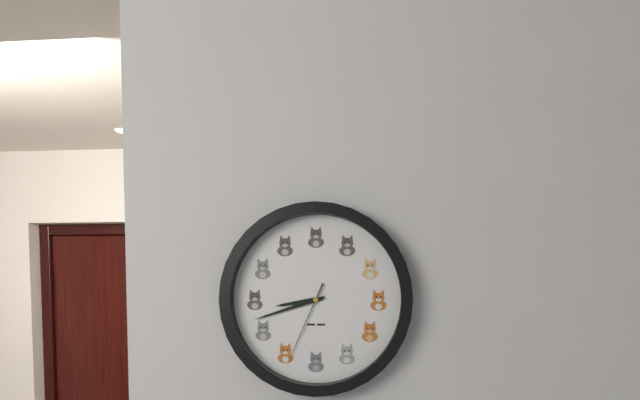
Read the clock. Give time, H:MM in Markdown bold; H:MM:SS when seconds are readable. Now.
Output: **8:42:34**
